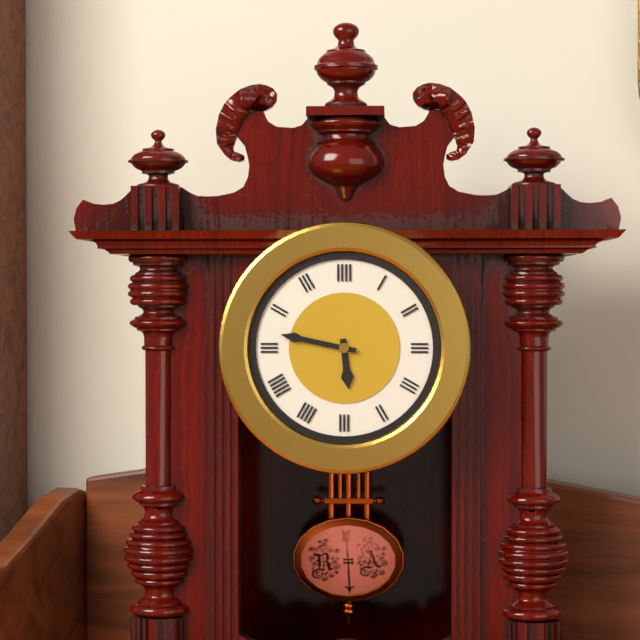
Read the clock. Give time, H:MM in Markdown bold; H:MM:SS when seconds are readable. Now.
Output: **5:47**
